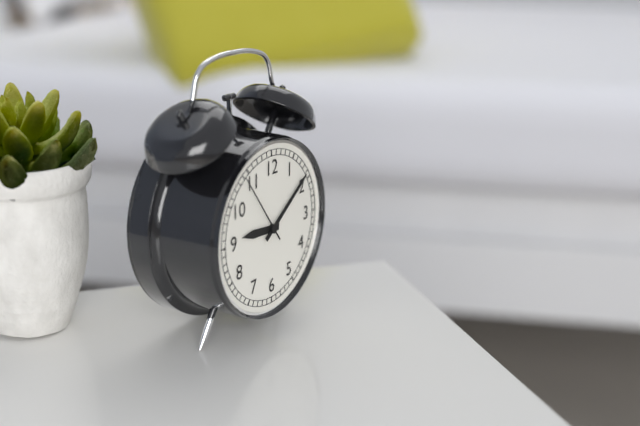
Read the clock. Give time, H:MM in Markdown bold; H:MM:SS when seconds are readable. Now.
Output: **9:09:54**
